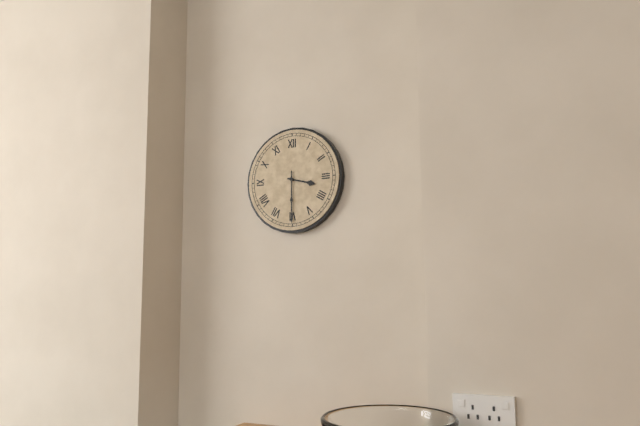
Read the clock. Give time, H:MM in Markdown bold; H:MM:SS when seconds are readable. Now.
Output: **3:30**
